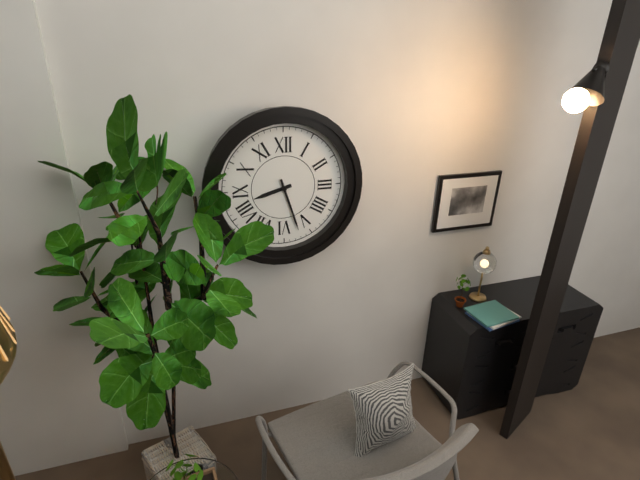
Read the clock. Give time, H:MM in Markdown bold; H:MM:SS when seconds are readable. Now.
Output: **8:27**
